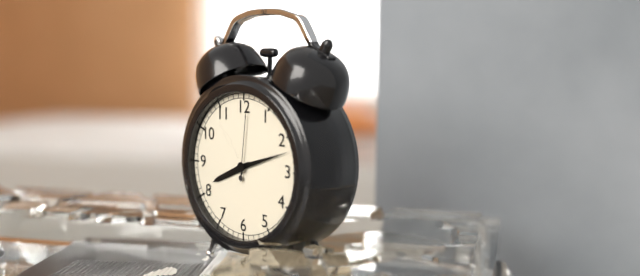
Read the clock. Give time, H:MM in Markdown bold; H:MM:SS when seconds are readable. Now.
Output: **8:12:01**
